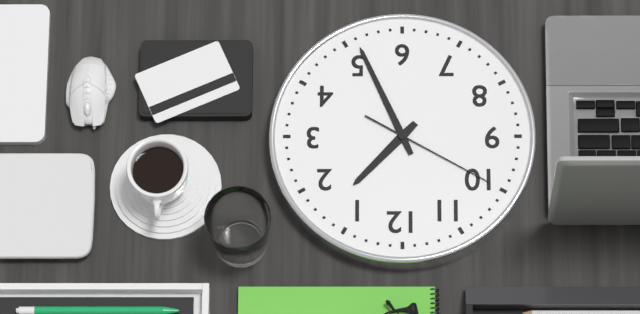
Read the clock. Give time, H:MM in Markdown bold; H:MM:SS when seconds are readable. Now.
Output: **1:26:50**
